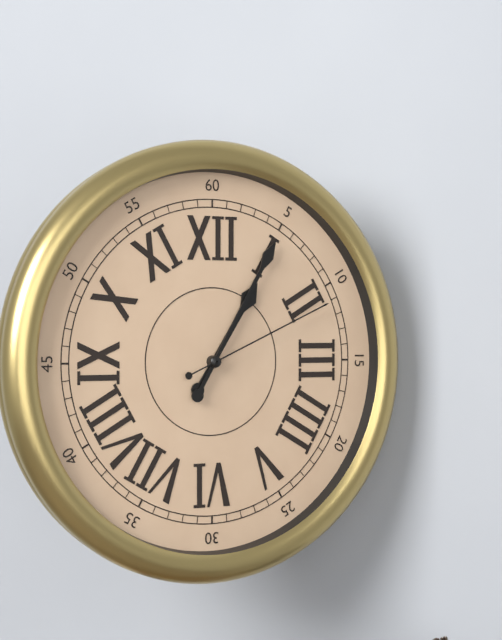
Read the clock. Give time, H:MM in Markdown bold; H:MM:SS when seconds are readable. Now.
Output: **1:05:11**
